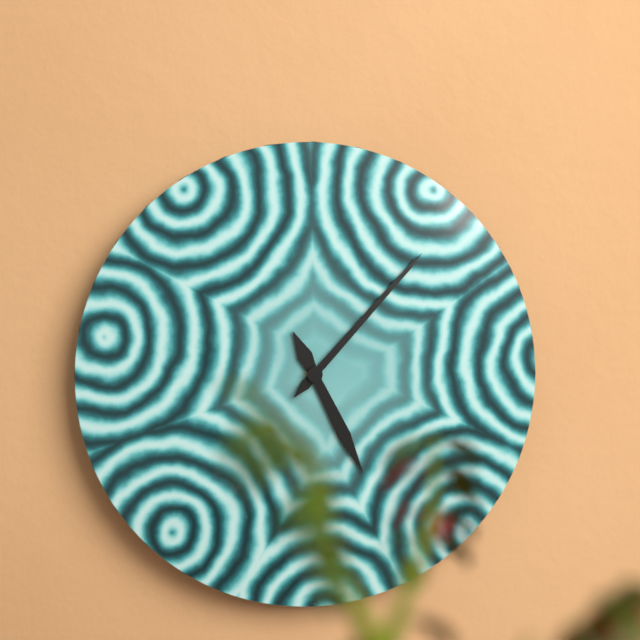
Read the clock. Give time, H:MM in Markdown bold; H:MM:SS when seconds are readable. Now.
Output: **5:07**
